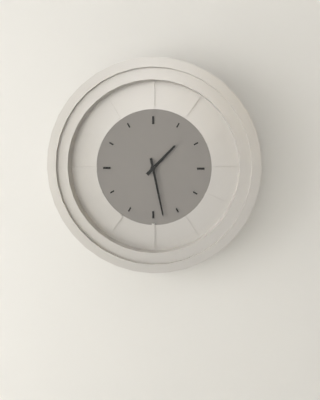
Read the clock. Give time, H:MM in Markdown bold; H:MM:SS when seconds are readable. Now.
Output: **1:28**
